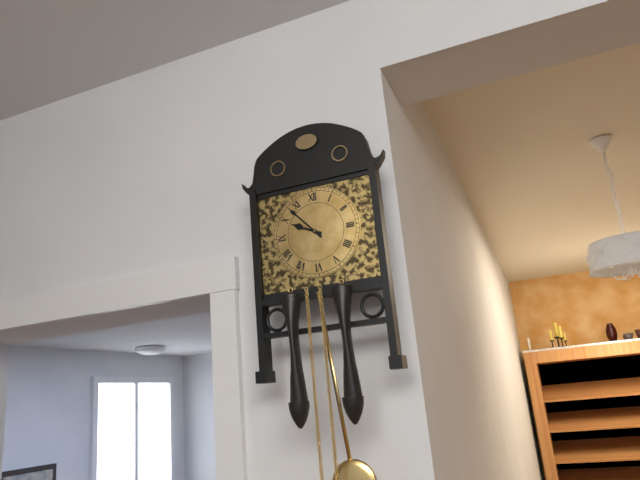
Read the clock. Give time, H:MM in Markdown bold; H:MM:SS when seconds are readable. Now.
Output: **9:53**
